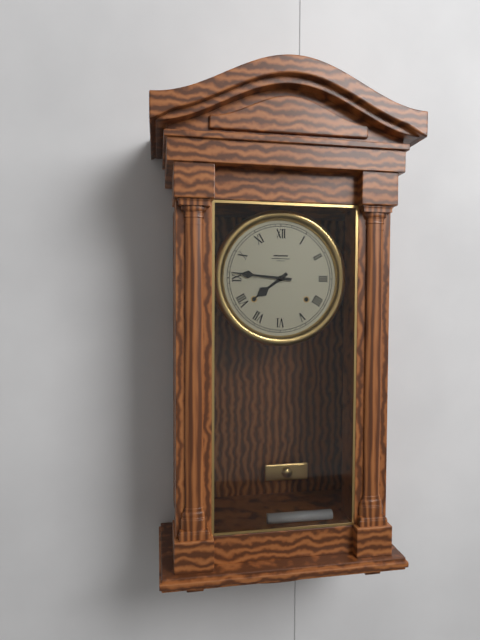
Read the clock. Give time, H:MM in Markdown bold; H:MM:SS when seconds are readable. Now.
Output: **7:46**
